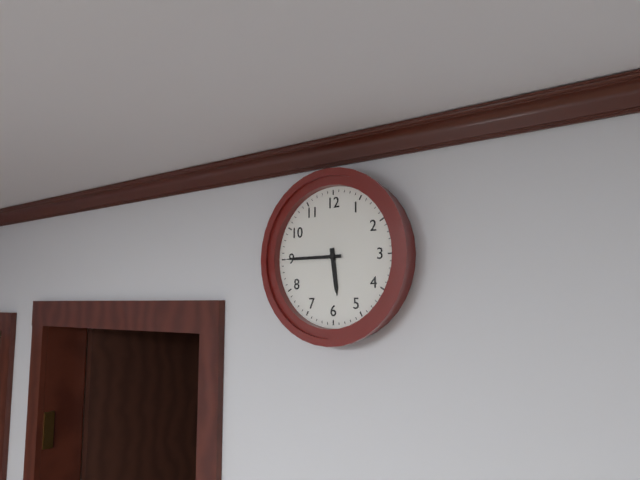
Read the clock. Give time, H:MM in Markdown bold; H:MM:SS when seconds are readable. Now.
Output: **5:45**
